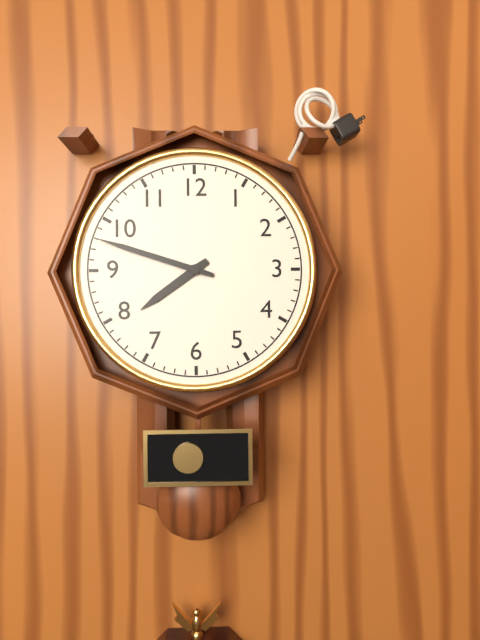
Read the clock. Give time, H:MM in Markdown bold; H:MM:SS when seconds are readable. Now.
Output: **7:48**
